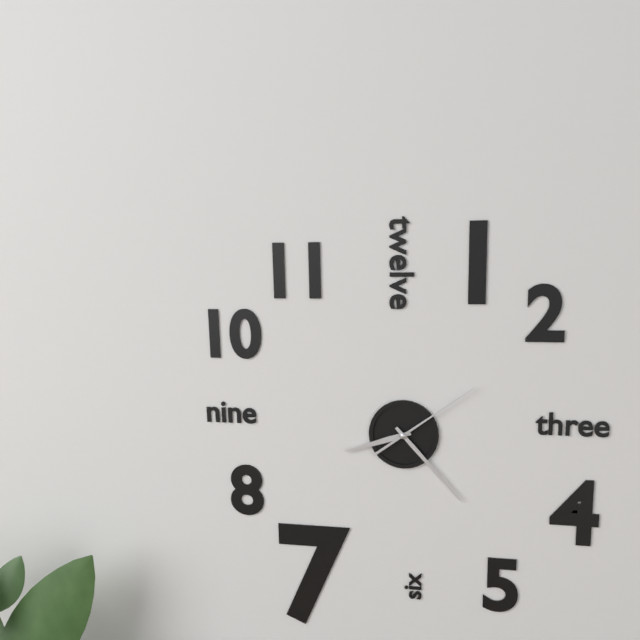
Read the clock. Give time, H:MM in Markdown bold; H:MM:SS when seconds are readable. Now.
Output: **8:23:09**
